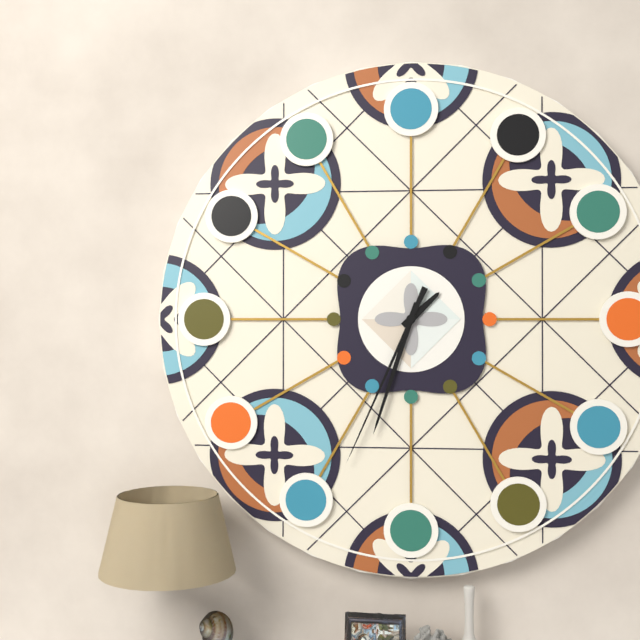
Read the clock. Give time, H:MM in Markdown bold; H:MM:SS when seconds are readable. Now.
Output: **1:33:34**
